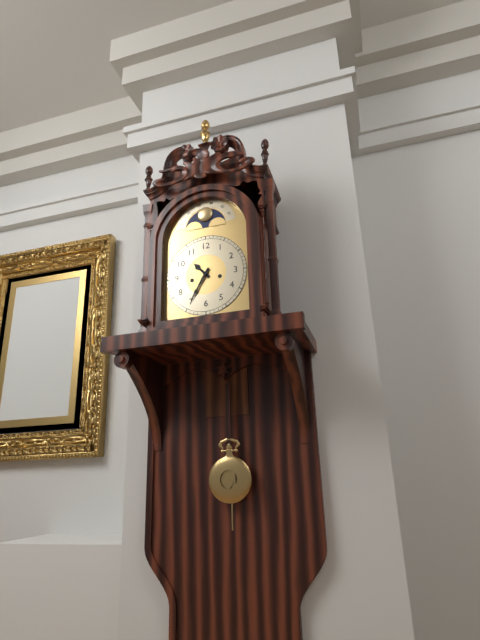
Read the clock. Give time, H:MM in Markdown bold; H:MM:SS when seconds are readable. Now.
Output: **10:35**
